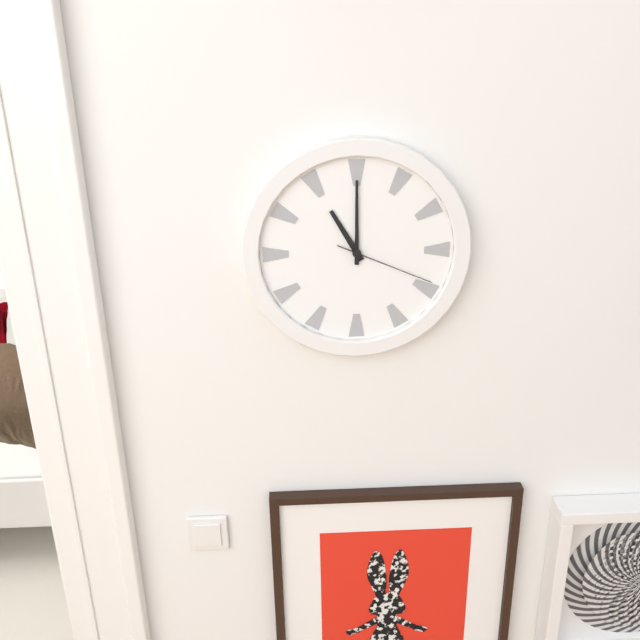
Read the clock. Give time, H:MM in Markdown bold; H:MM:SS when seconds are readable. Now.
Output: **11:00:19**
